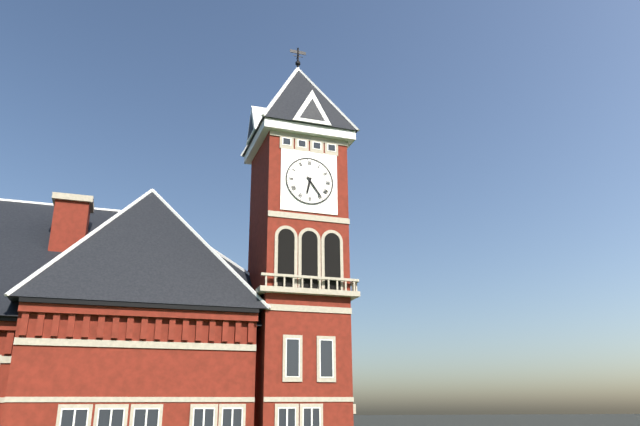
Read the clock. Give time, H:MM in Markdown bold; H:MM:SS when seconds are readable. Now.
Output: **6:24**
